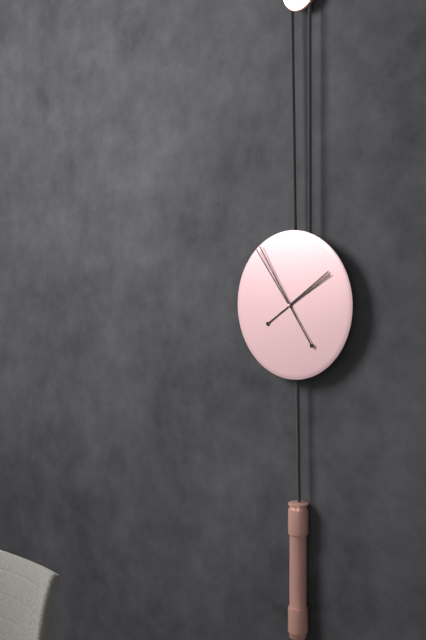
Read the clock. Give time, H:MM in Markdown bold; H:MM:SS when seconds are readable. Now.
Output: **1:54**
